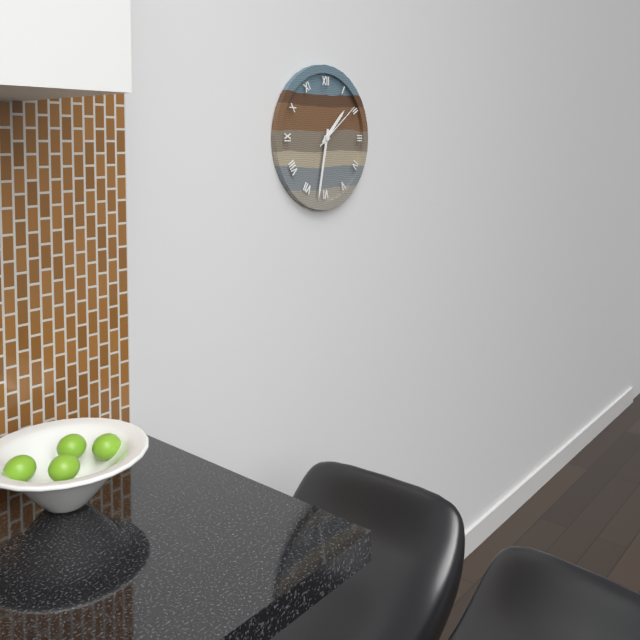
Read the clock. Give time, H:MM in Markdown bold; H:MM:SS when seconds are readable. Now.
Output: **1:32:09**
